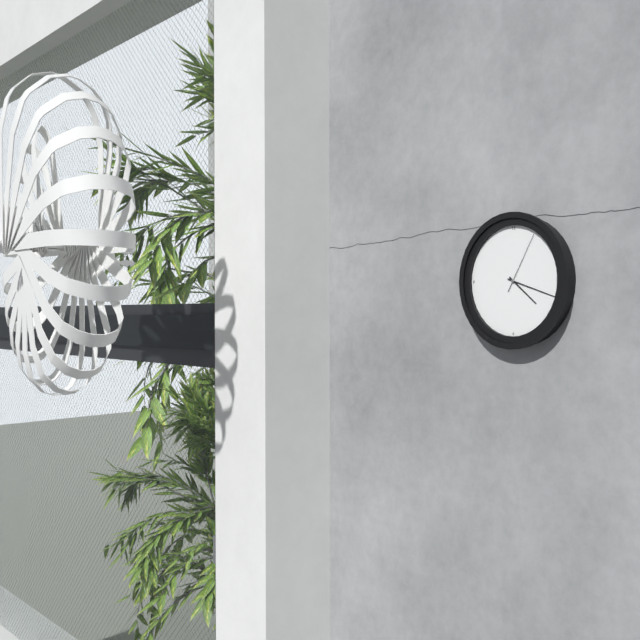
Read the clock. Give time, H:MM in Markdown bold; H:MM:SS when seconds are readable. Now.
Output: **4:18:05**
